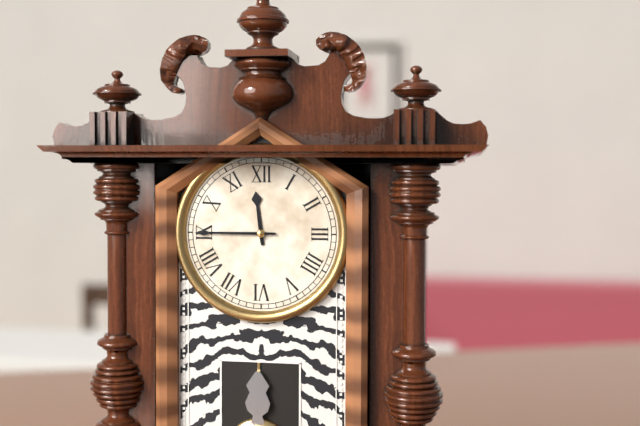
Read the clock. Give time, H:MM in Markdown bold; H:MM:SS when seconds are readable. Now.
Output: **11:45**
